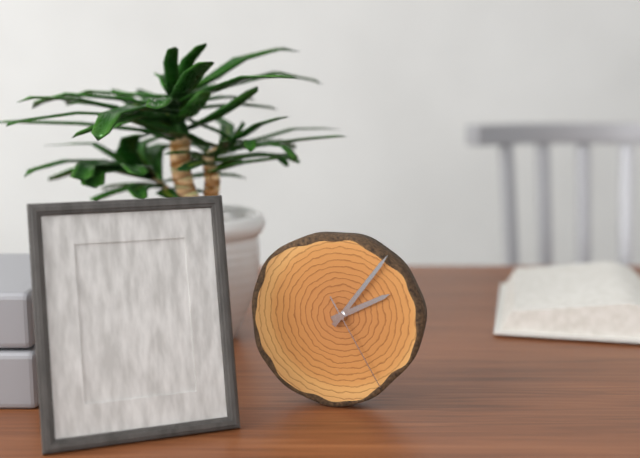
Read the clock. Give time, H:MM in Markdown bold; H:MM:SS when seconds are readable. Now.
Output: **2:06:25**
